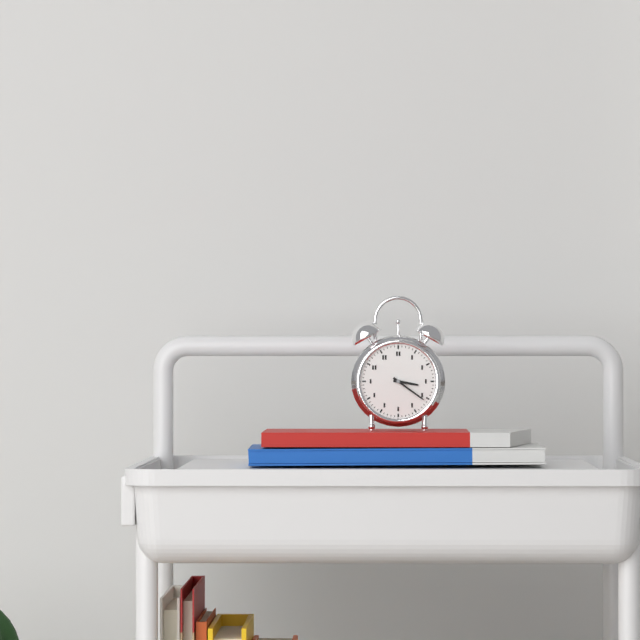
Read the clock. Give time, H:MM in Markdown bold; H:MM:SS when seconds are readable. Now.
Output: **3:21**
